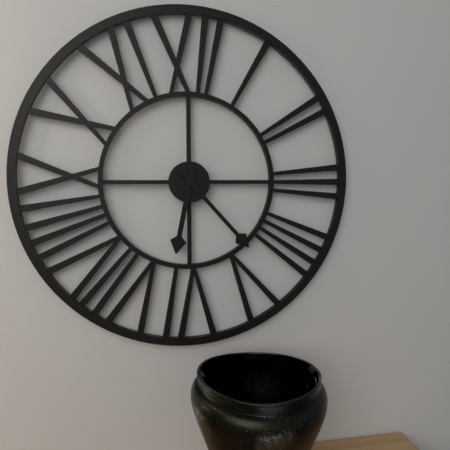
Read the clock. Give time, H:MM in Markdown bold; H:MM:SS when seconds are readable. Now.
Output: **6:23**
